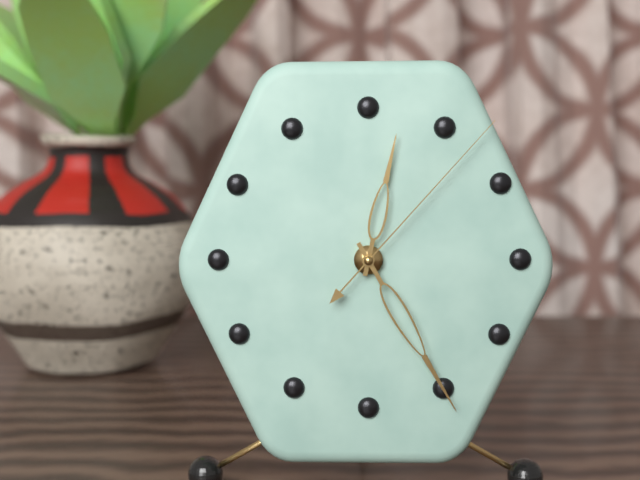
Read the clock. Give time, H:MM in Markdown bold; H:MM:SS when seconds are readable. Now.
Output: **12:25:07**
